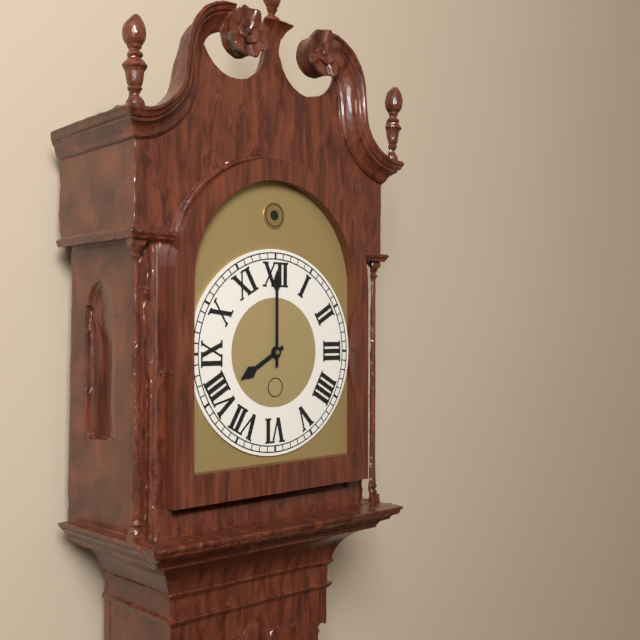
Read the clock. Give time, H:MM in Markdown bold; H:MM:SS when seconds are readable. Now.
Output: **8:00**
